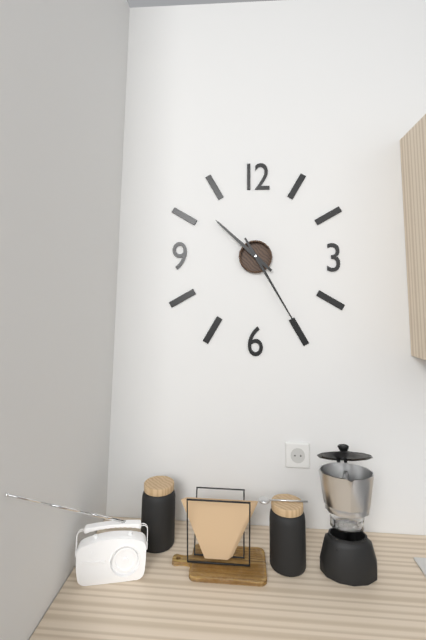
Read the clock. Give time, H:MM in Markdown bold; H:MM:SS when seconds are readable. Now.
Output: **10:25**
